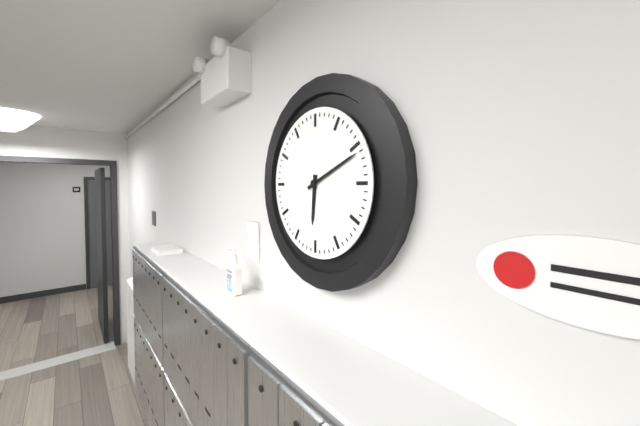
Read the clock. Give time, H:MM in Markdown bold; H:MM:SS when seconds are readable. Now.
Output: **6:11**
